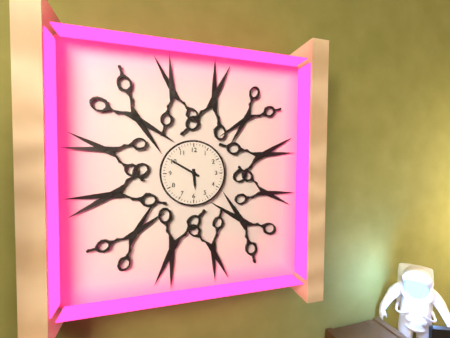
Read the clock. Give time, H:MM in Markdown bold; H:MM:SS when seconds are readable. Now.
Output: **5:50**
